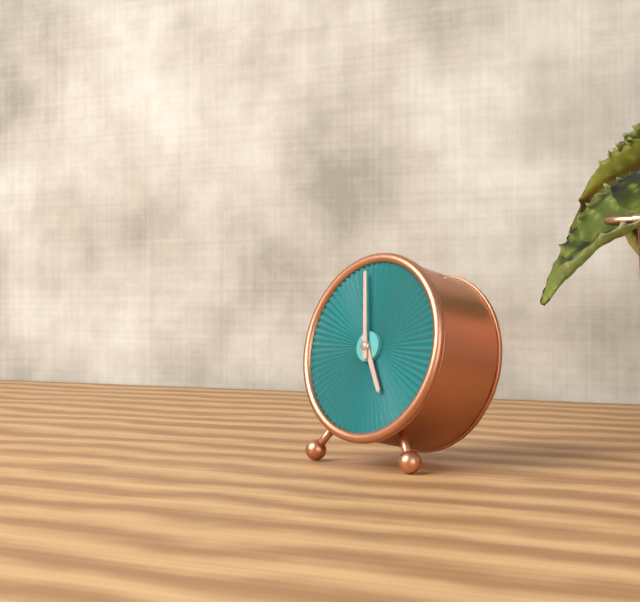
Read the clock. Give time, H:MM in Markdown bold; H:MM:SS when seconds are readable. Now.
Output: **4:58**
